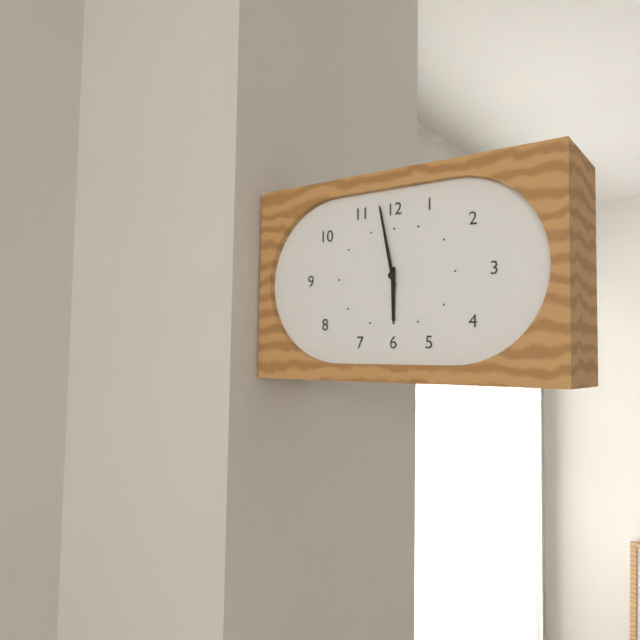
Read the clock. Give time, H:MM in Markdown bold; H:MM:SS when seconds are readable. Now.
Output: **5:58**
